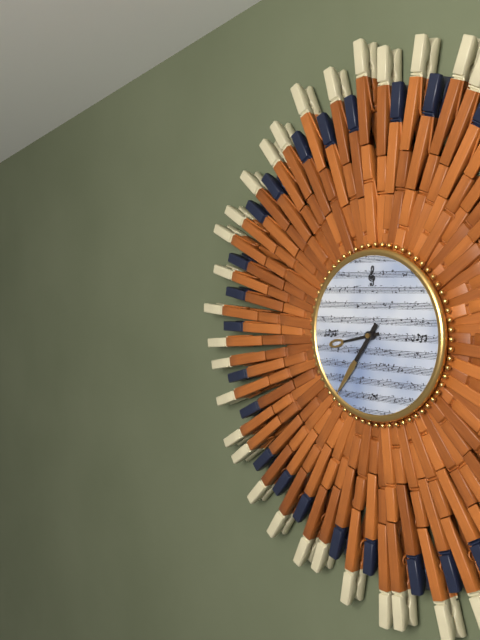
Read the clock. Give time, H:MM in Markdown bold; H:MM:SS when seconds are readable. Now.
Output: **8:36**
